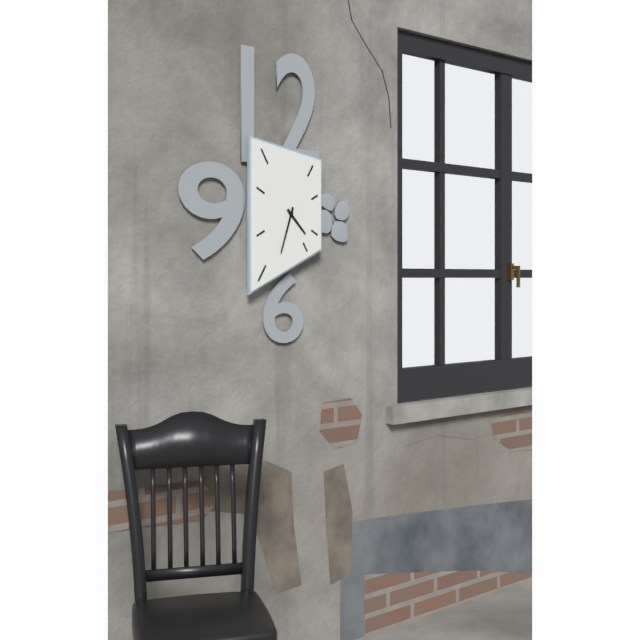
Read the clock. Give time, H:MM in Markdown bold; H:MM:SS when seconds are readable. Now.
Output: **4:33**
